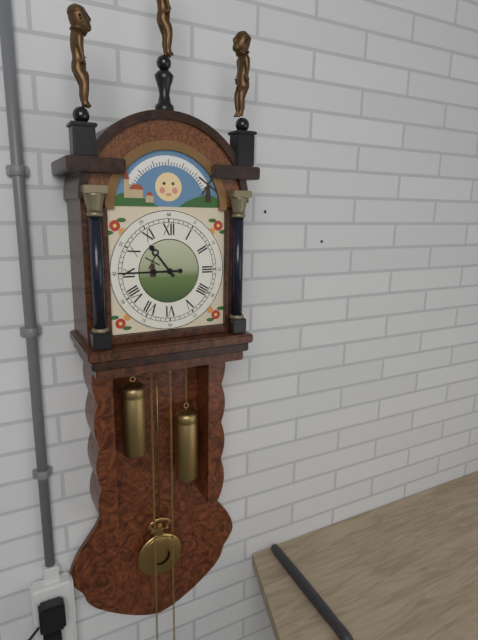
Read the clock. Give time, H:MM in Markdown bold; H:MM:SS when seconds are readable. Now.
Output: **10:45**
